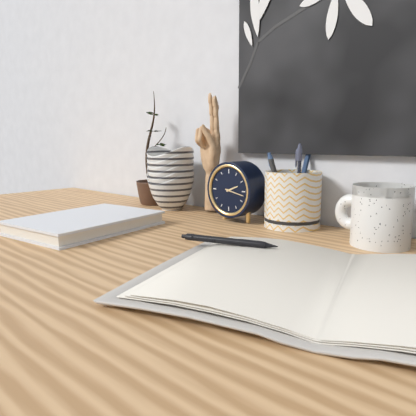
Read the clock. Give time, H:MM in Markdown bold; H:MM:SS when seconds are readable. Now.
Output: **2:17**
